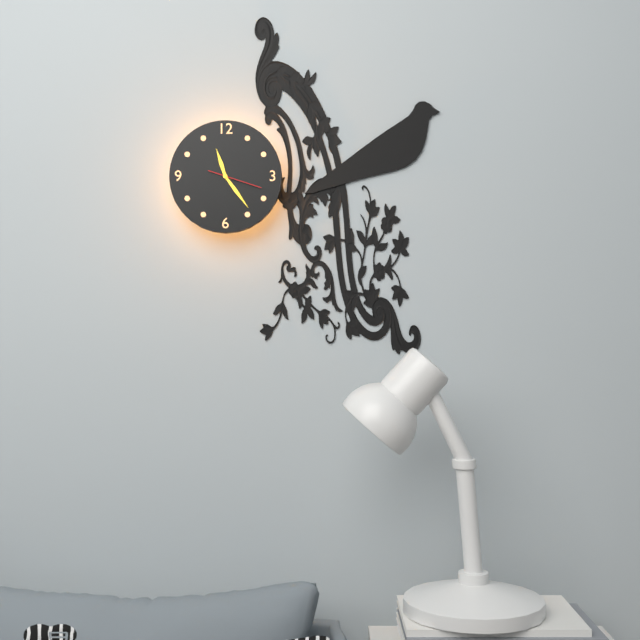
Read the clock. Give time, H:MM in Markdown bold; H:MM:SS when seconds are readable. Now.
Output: **11:24**
